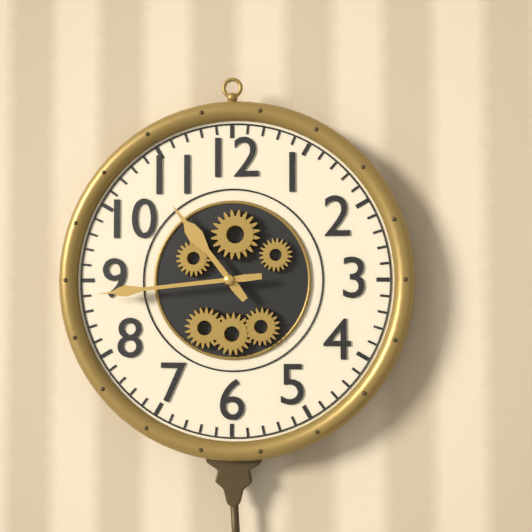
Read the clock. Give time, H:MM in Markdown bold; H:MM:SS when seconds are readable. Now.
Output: **10:44**
